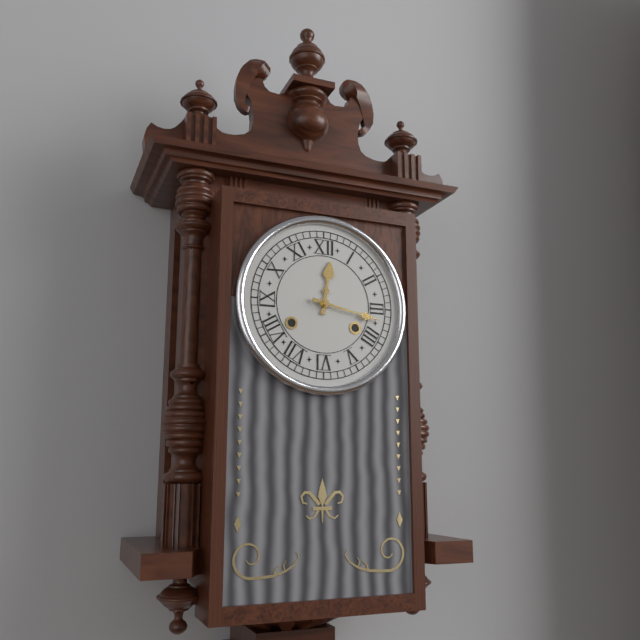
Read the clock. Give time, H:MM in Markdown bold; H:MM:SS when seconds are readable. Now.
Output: **12:17**
